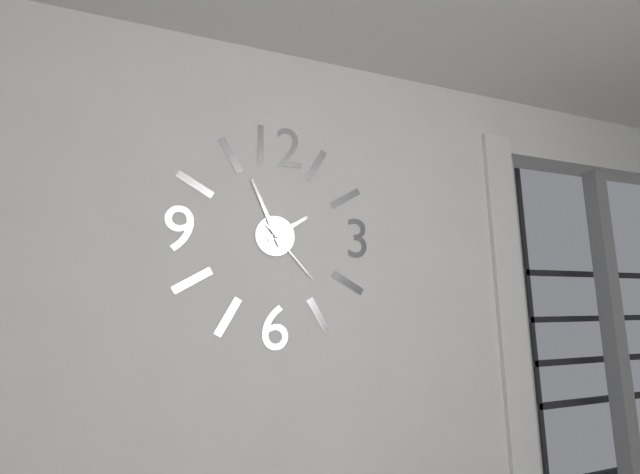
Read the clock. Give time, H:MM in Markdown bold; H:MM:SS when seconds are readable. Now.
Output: **1:56:23**
